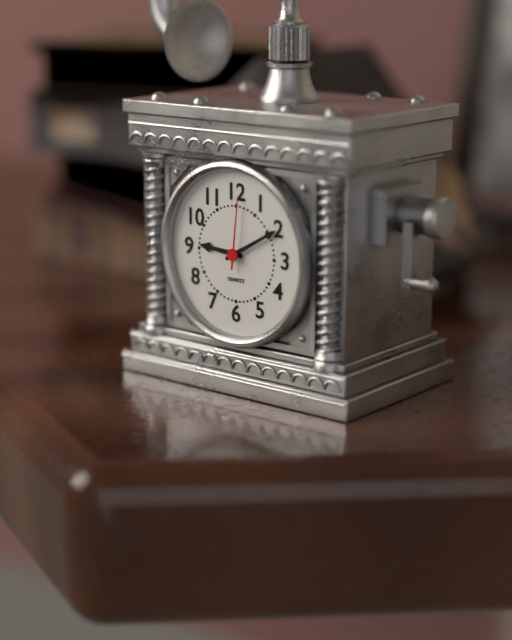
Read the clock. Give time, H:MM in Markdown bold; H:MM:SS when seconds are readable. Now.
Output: **9:10:01**
